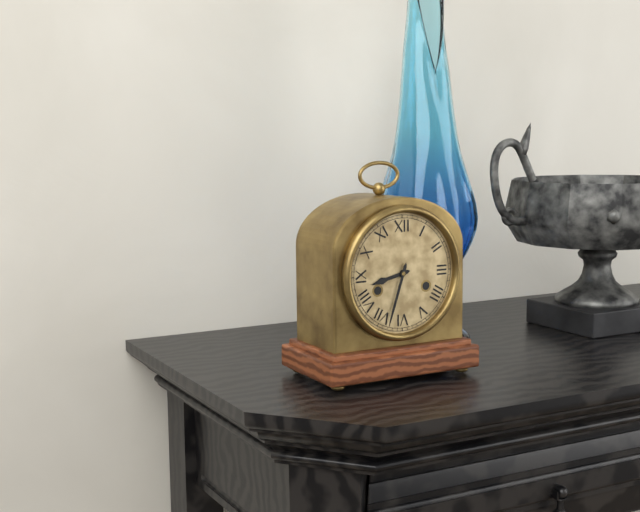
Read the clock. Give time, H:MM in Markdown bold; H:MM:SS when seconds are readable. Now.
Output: **8:33**
